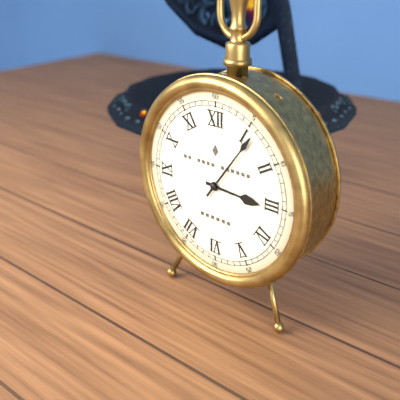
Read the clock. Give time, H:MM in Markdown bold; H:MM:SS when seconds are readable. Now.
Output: **3:06**
